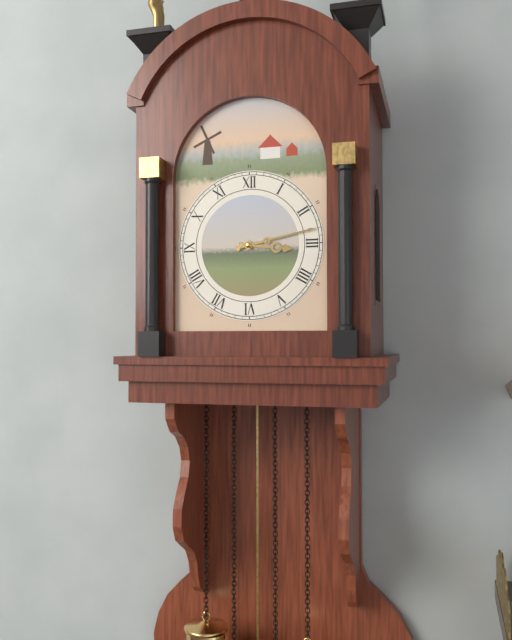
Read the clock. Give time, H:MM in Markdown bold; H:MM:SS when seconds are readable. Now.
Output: **3:13**
